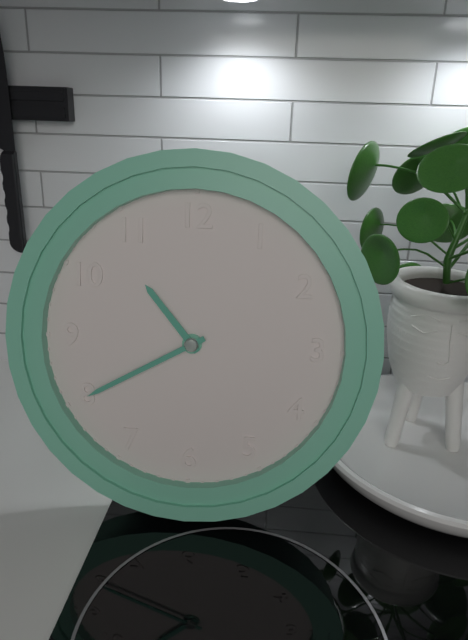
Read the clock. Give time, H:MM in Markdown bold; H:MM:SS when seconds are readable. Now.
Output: **10:40**
